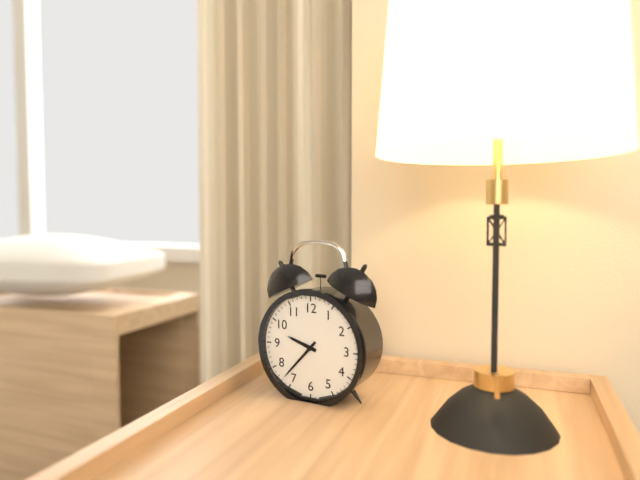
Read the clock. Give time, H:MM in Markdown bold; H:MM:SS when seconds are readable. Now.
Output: **9:37**
